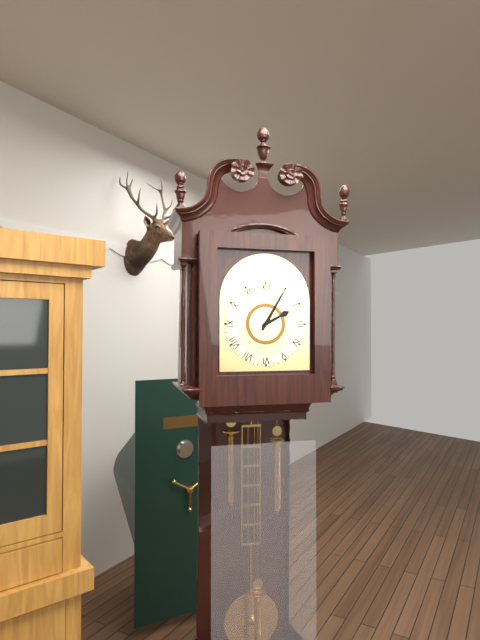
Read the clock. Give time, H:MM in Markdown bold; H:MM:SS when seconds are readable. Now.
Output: **2:05**
